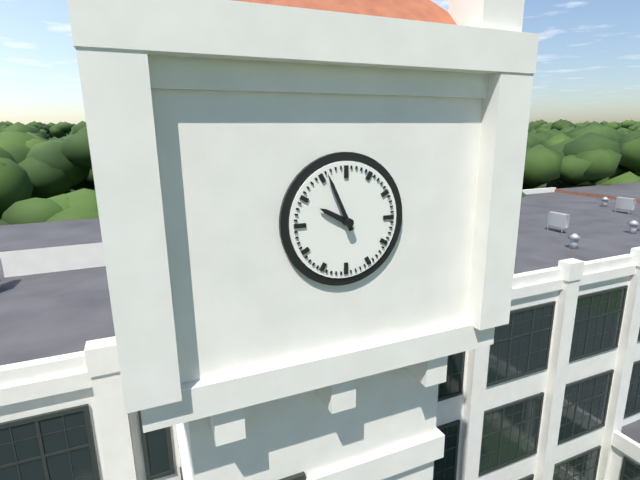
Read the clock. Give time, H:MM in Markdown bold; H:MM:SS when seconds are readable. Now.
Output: **9:56**
